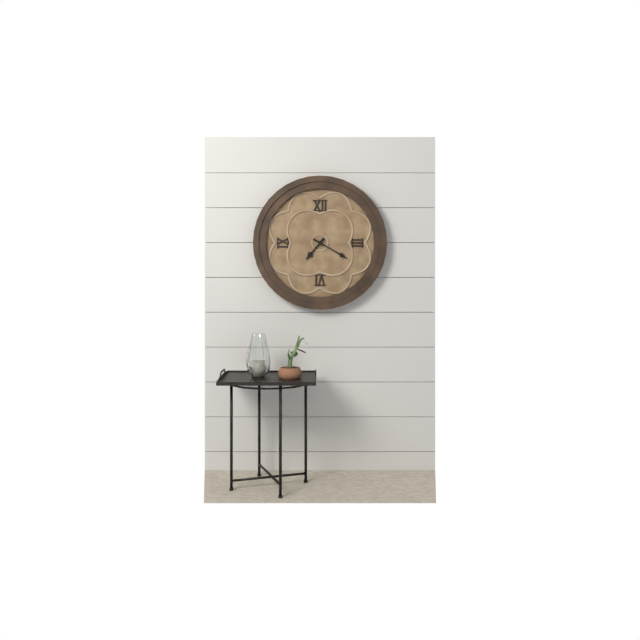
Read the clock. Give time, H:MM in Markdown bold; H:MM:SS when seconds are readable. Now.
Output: **7:20**
